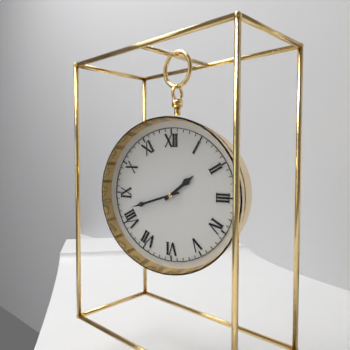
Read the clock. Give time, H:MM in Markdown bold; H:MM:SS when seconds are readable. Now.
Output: **1:42**
